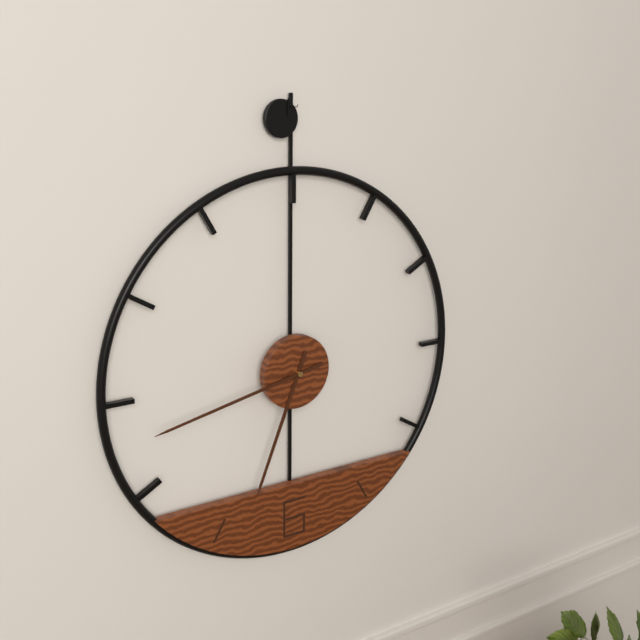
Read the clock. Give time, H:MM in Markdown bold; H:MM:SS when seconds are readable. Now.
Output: **6:43**
